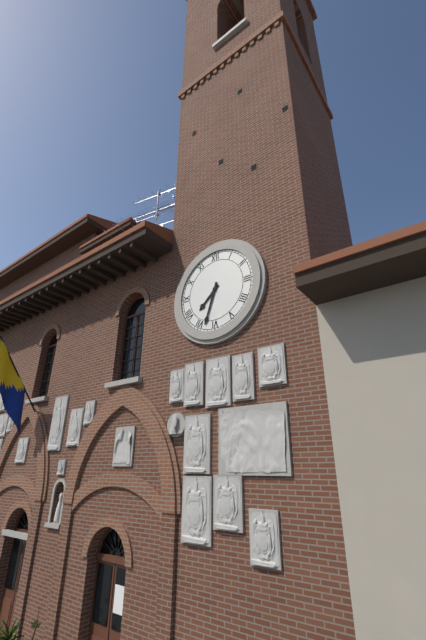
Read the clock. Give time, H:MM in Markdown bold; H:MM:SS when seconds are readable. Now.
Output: **7:33**
